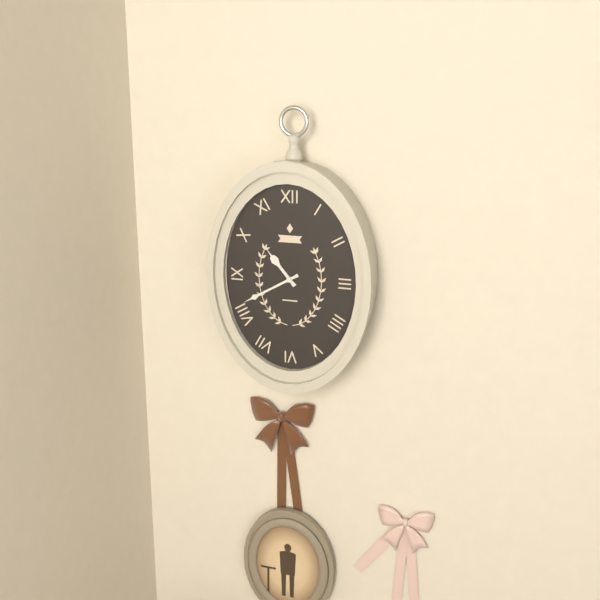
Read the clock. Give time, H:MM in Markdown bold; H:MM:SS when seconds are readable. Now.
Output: **10:40**
